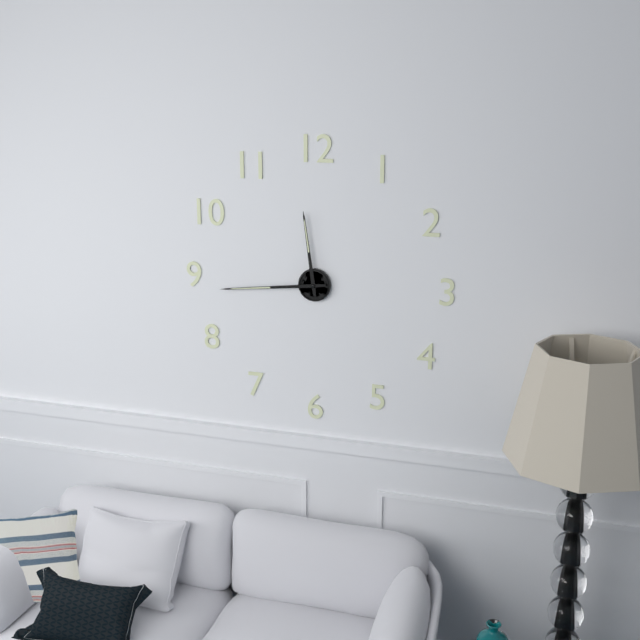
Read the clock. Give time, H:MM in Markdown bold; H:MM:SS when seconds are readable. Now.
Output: **11:44**
